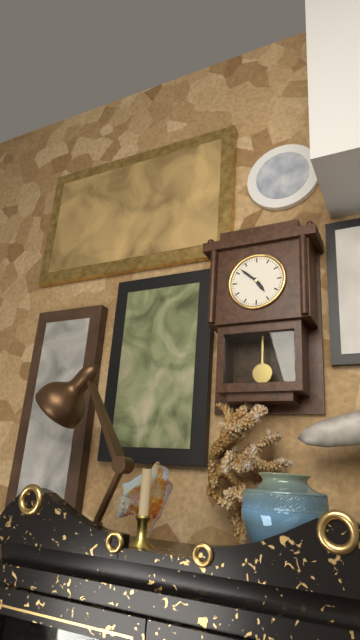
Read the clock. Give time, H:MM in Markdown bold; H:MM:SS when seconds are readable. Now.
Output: **4:52**
